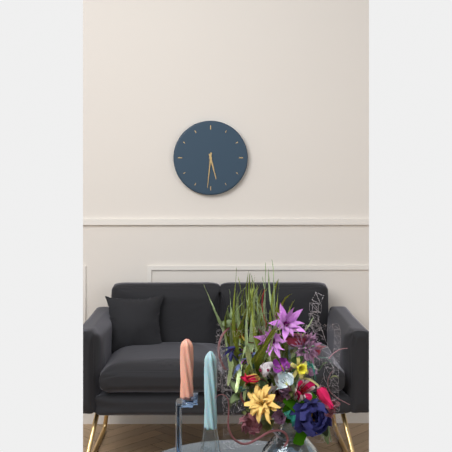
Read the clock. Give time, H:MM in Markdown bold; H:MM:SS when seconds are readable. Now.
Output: **5:31**
